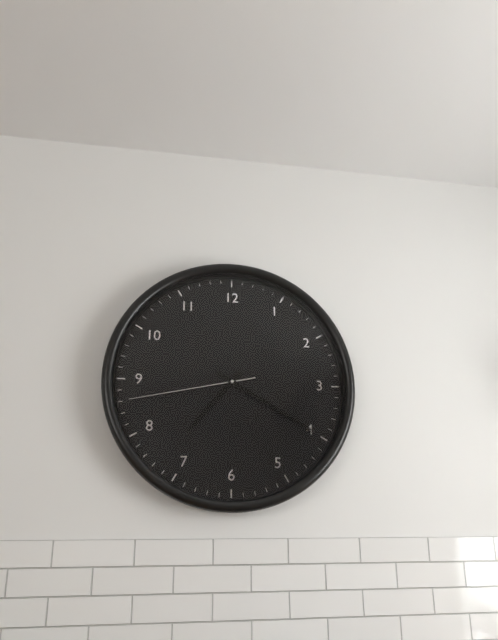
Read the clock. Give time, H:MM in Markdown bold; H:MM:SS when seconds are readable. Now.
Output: **7:20:43**
